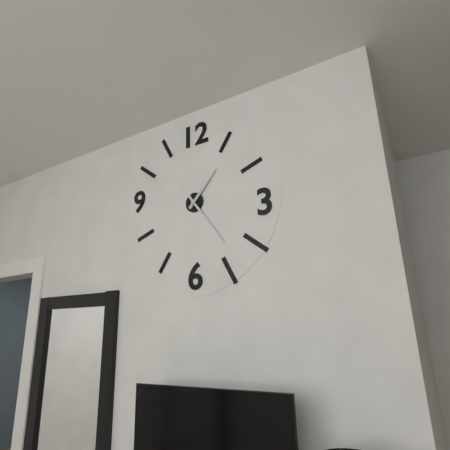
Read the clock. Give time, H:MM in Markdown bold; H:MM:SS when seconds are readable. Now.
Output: **1:24**
